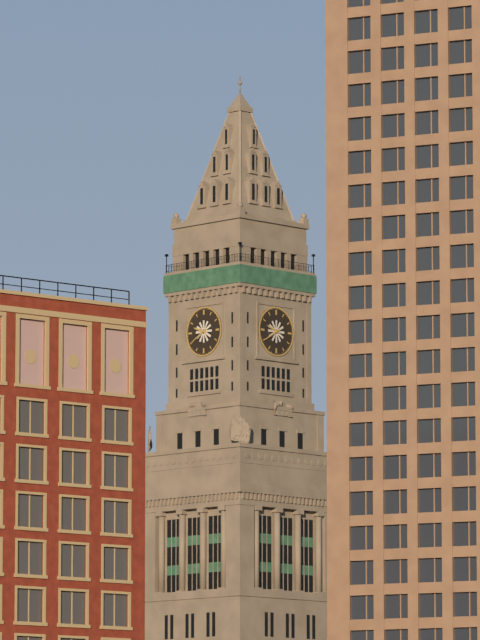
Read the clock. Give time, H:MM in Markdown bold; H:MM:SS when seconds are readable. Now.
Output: **9:40**
